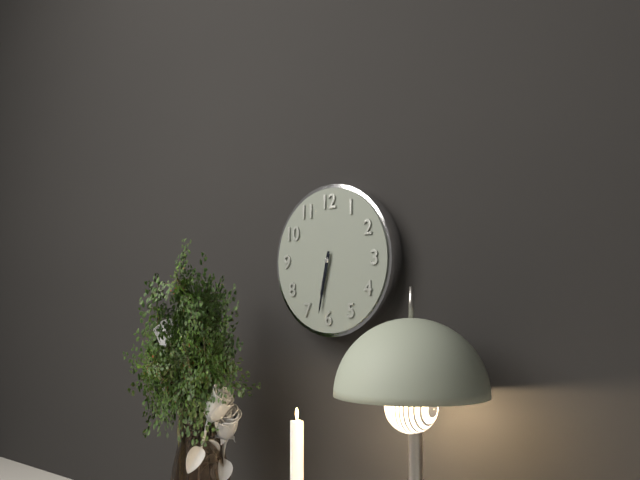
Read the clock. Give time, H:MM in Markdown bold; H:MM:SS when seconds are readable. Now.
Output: **6:32**
